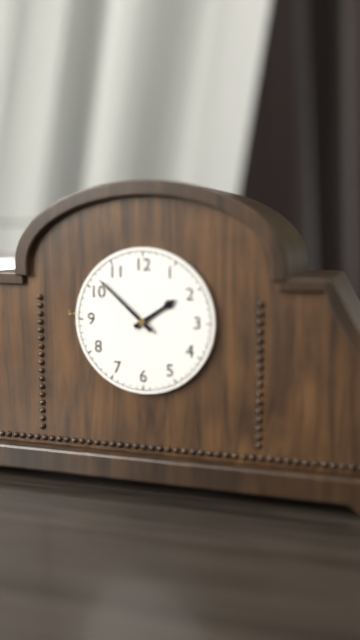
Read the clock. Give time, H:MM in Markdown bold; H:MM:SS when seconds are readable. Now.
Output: **1:52**
